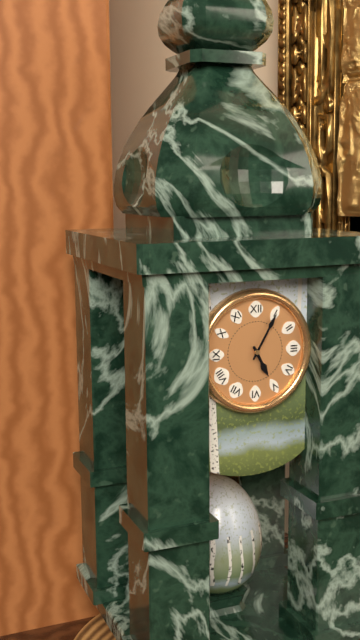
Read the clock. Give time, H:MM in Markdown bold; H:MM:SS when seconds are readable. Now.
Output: **5:05**
